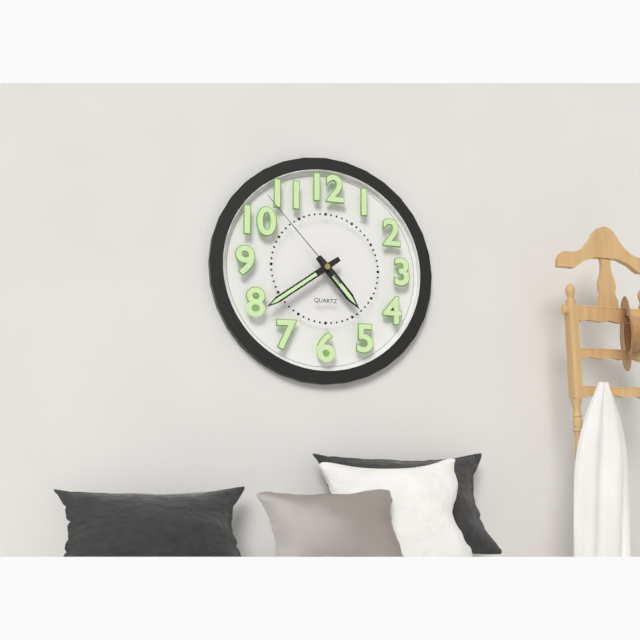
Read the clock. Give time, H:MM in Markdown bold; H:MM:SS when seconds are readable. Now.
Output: **4:39:53**
